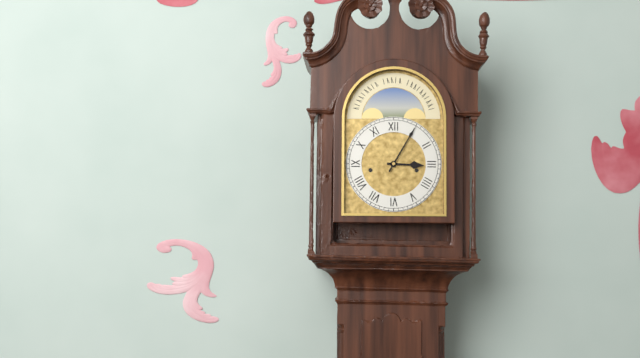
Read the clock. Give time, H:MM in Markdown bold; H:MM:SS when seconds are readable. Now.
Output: **3:05**
